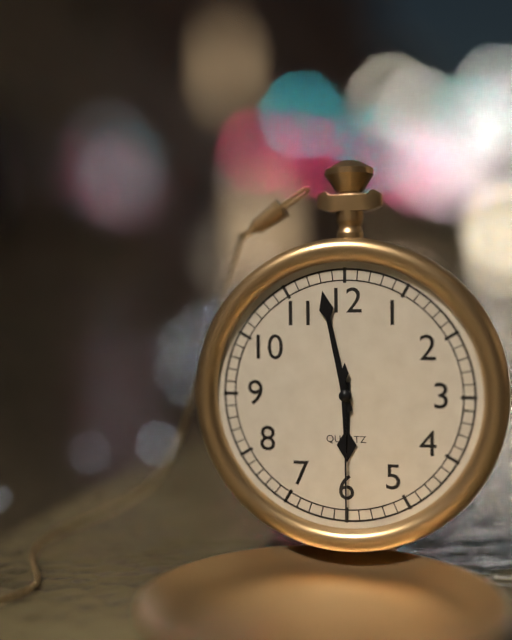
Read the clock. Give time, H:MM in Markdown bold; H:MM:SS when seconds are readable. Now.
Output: **5:58:30**
